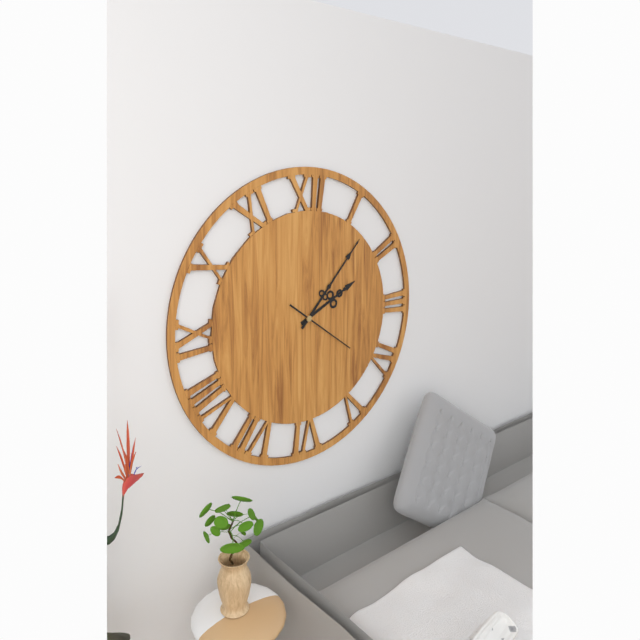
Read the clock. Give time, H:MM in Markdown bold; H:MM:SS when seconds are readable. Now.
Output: **2:07:21**
